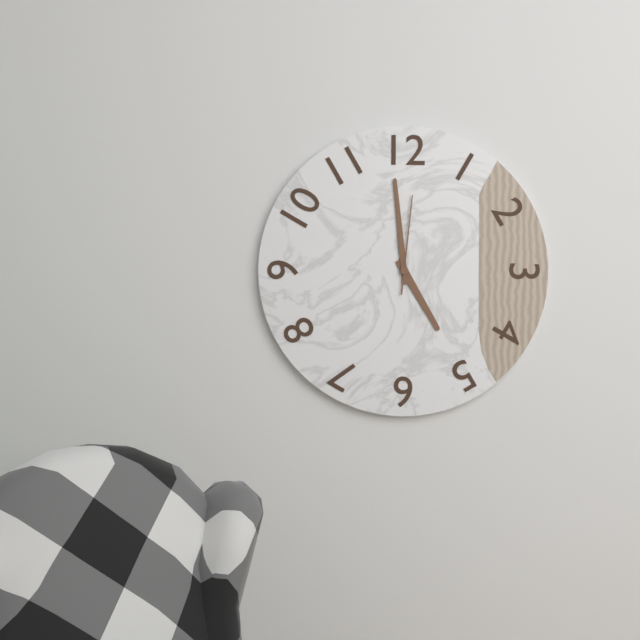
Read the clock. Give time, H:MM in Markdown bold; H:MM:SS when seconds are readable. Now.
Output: **4:59:01**
